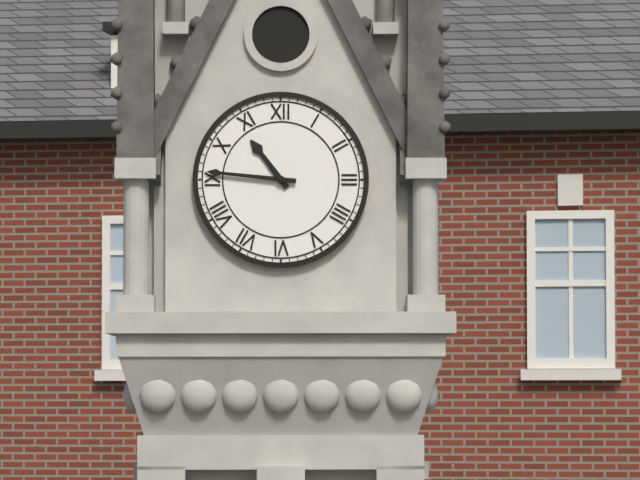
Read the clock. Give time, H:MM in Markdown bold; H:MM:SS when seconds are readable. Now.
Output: **10:46**
